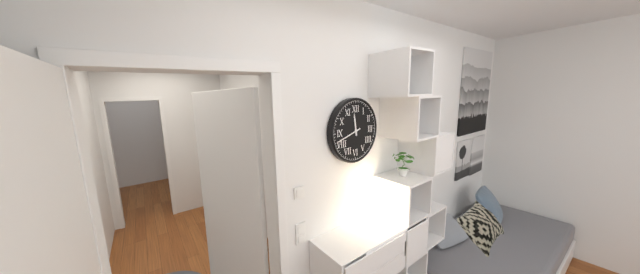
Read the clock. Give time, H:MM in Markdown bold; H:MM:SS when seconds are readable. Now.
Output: **11:42**
